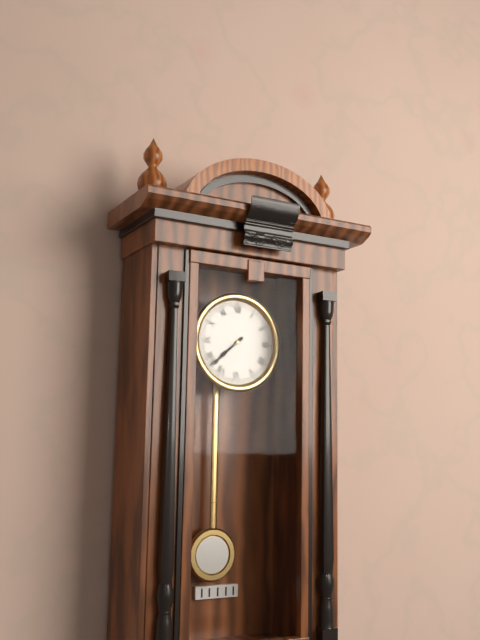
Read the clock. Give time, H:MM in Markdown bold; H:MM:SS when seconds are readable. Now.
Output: **7:38**
